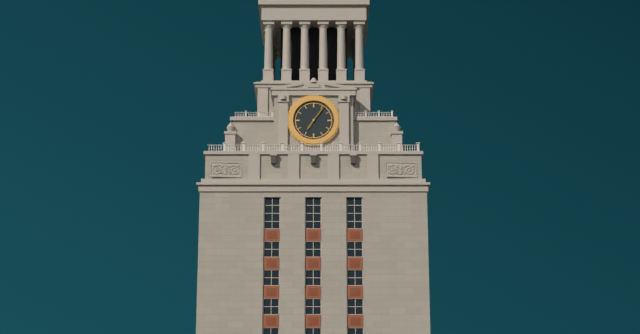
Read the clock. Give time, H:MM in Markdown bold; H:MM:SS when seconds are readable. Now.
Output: **7:06**
